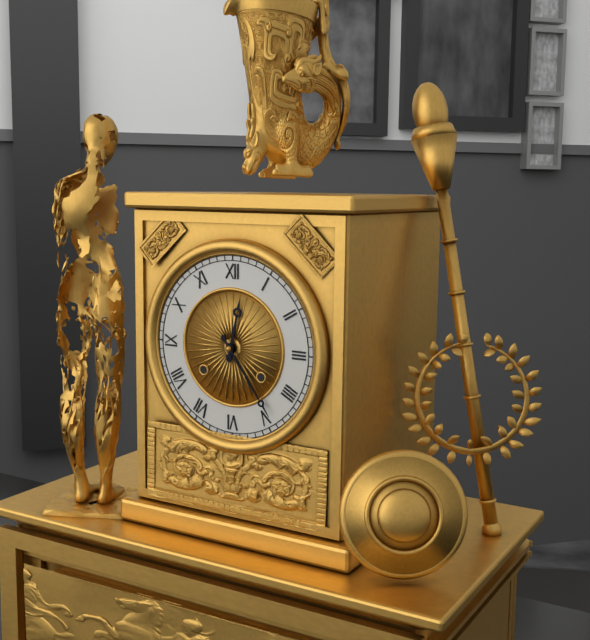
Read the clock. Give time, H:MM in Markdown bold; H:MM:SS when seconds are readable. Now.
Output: **12:24**
